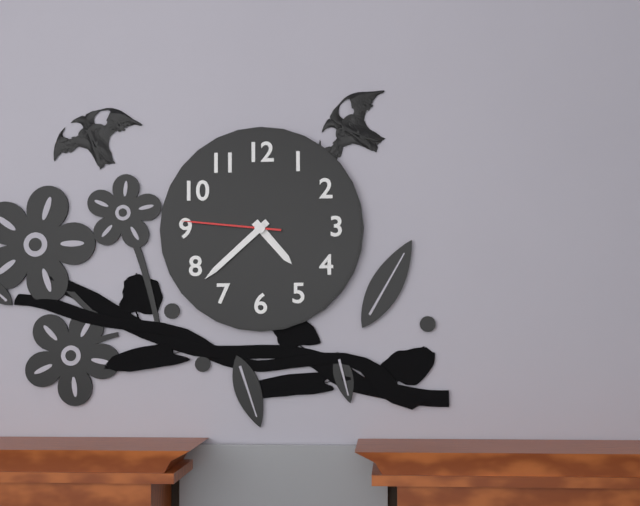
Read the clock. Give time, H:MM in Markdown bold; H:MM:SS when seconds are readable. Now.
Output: **4:38:46**
